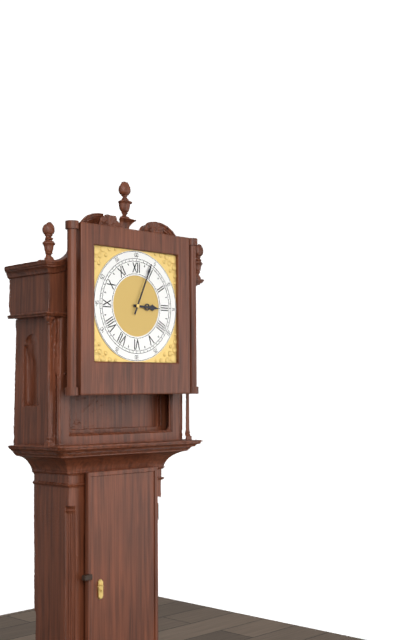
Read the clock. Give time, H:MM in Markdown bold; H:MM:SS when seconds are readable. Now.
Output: **3:04**
